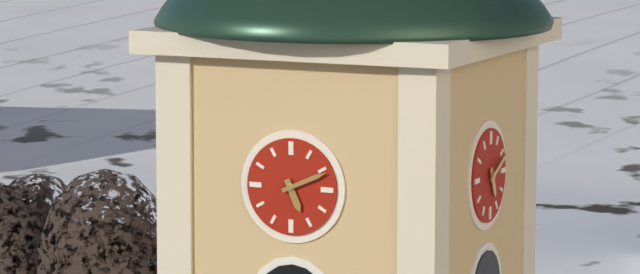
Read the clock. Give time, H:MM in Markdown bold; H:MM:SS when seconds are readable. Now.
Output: **5:11**
